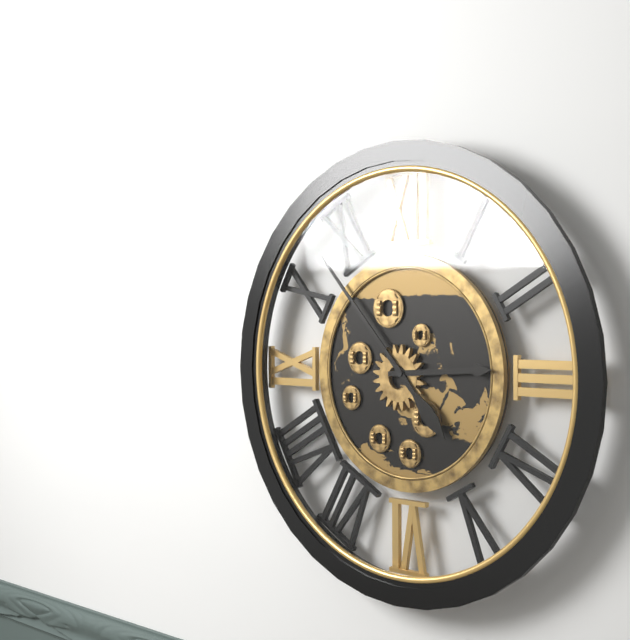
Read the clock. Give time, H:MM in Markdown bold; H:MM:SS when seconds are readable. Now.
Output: **2:53**
